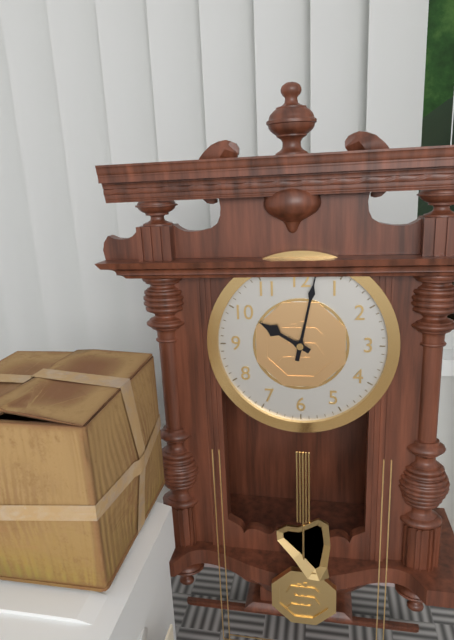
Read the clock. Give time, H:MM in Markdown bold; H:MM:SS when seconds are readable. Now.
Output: **10:02**
